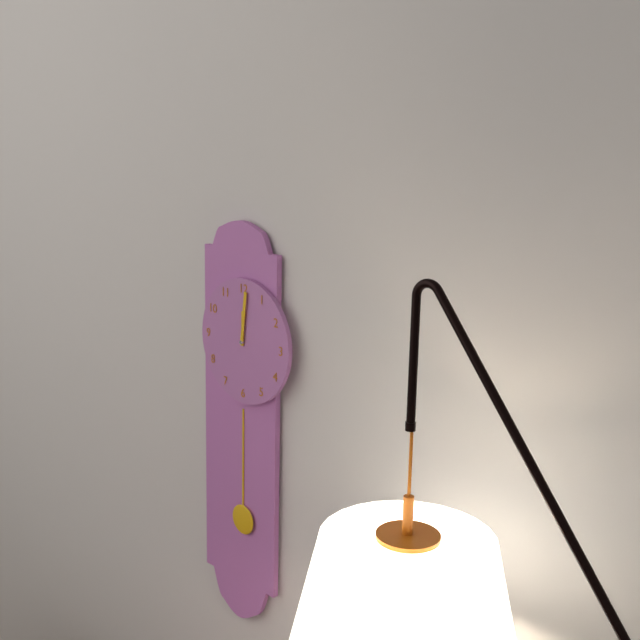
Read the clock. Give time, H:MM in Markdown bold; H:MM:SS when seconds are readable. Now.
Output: **12:01**
